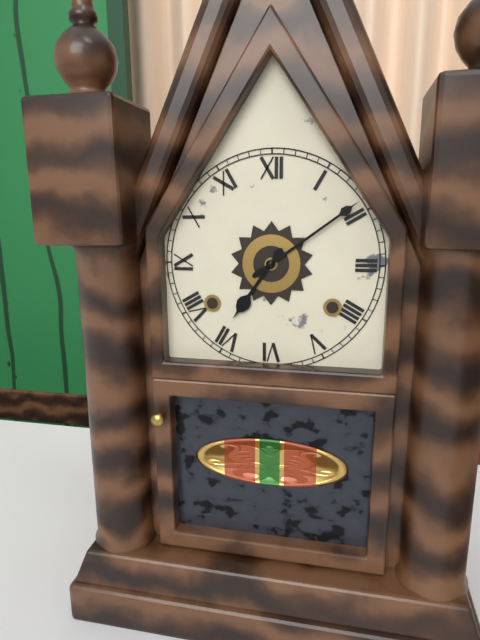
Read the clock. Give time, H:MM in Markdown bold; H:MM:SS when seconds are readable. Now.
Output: **7:09**
